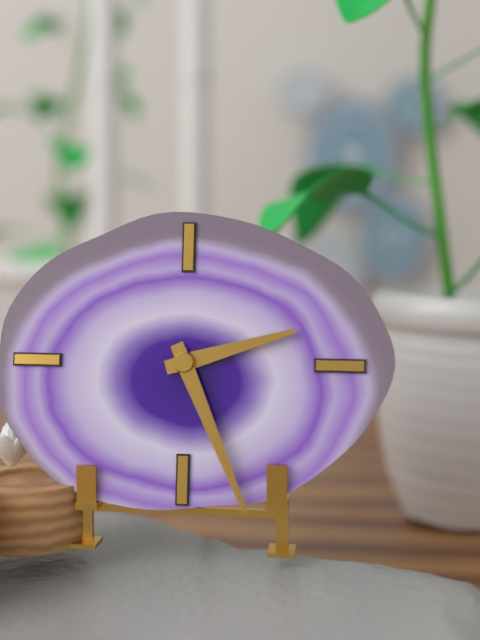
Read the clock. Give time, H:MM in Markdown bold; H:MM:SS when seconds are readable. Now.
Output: **2:26**
